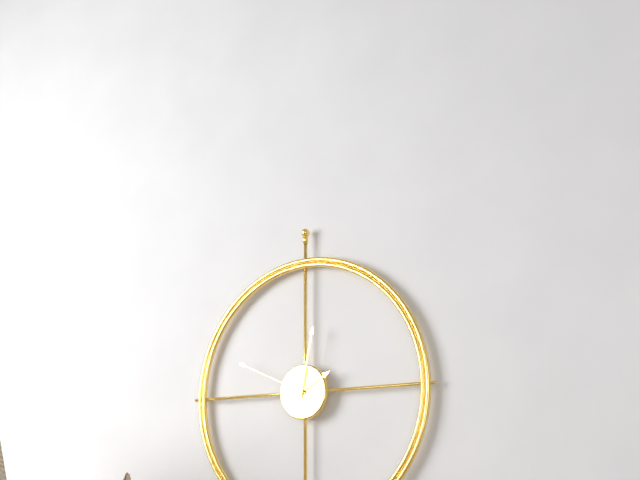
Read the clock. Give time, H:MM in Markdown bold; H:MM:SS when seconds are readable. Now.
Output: **2:02:49**
